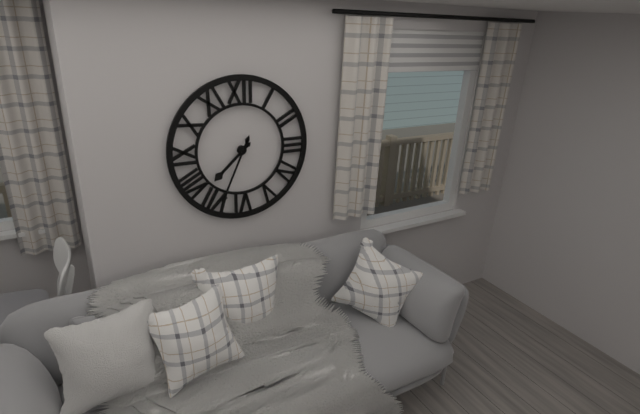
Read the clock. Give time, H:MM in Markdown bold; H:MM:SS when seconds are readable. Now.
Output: **7:34**
